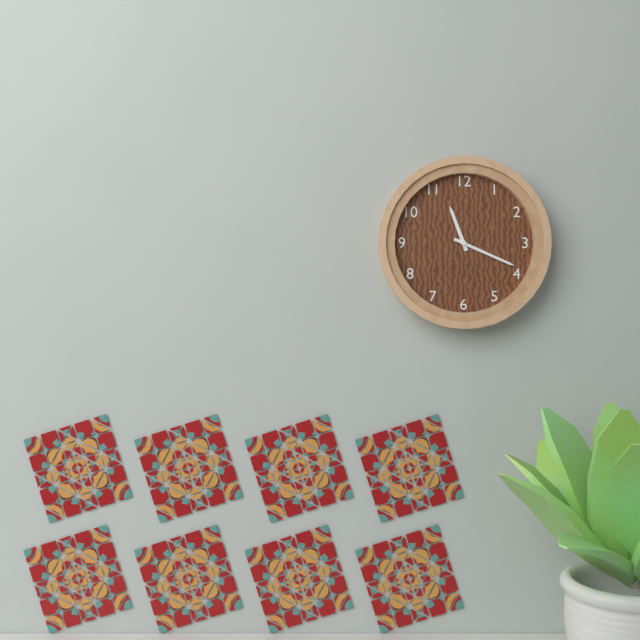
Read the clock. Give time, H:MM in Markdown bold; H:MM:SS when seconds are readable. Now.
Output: **11:19**
